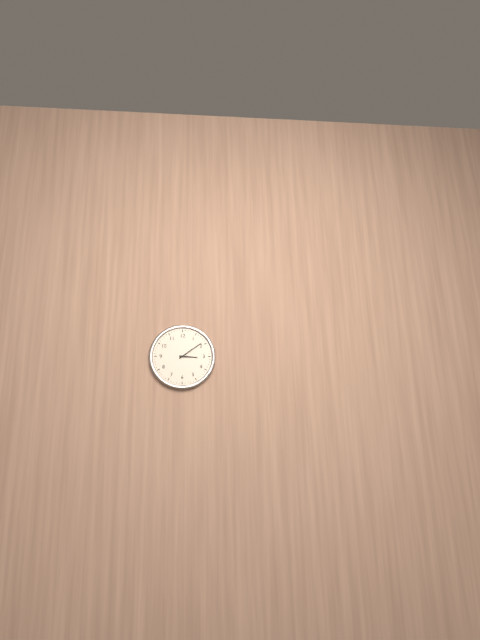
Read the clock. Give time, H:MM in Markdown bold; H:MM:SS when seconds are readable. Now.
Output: **3:09**
